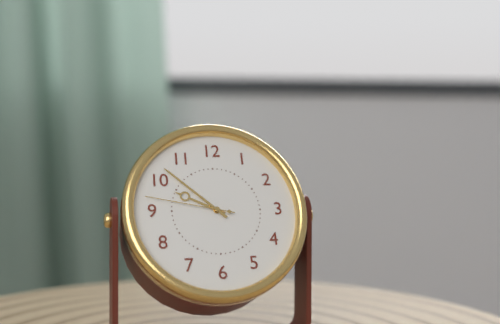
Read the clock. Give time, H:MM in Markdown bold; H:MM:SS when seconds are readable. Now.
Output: **9:52:47**
